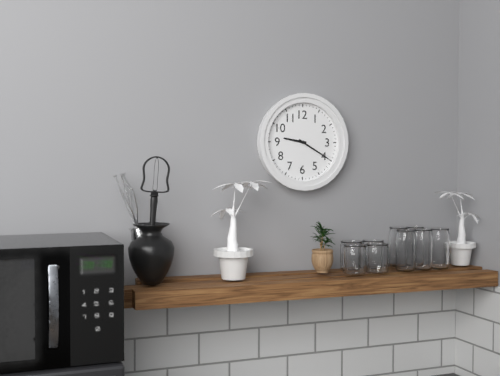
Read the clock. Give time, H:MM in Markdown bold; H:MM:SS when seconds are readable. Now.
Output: **9:20**
